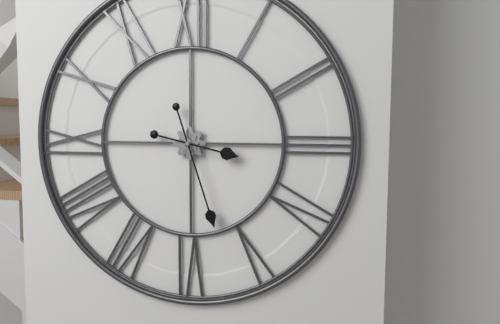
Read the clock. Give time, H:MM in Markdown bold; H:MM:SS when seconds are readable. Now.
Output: **3:27**
